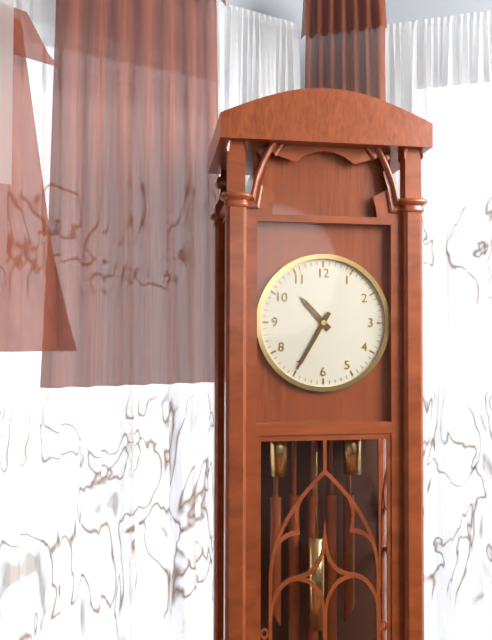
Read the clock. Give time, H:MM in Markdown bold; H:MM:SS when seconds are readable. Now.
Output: **10:35**
